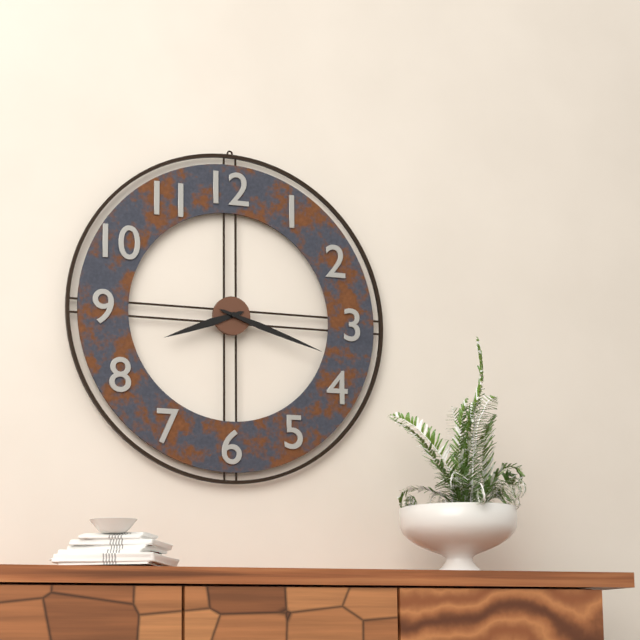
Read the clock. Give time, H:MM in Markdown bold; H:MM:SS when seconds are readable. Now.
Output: **8:18**
